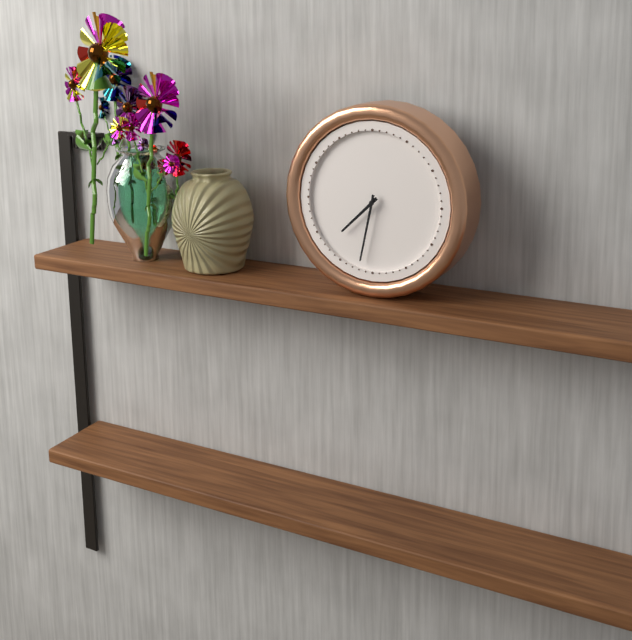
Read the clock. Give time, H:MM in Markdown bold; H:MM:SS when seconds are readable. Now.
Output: **7:32**
